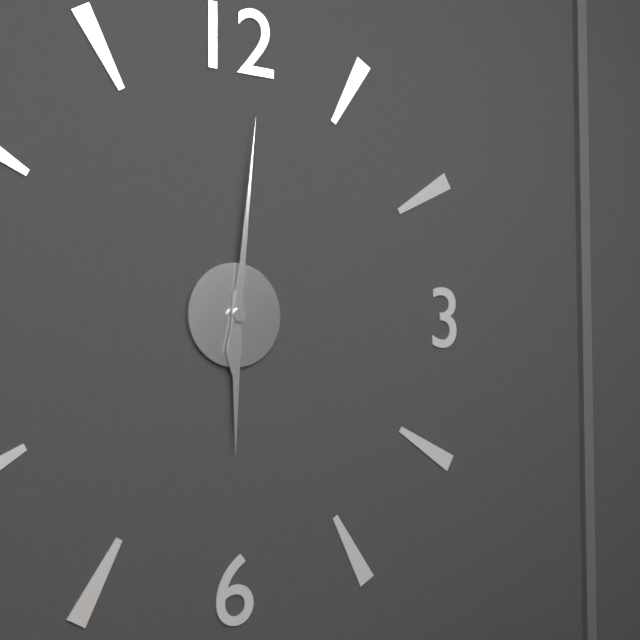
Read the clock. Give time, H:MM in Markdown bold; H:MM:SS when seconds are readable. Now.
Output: **6:01**
